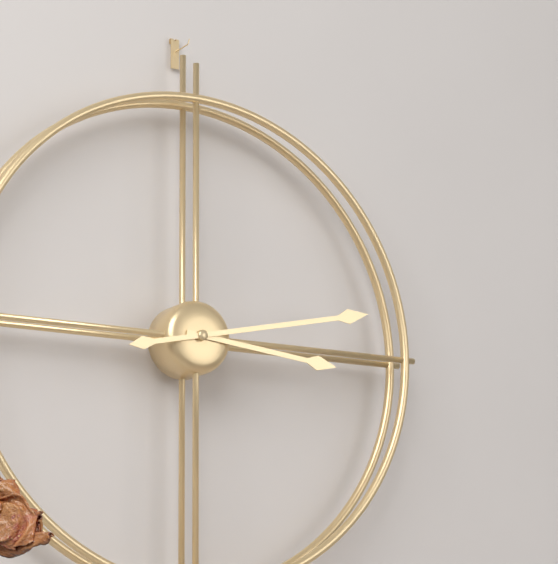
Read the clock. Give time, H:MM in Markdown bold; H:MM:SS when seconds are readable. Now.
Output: **3:13**
